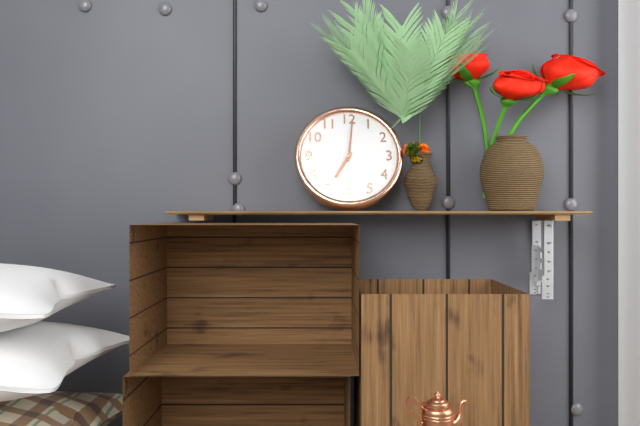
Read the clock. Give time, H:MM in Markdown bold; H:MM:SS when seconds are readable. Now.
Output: **7:01**
